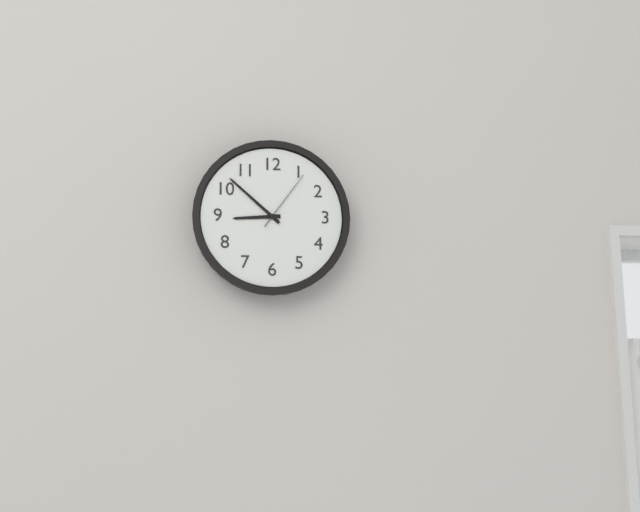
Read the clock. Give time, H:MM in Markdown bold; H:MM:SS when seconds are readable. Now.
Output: **8:52:06**
